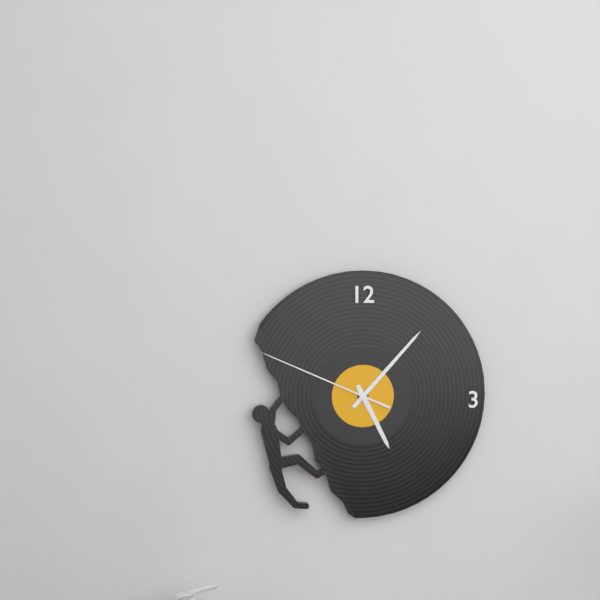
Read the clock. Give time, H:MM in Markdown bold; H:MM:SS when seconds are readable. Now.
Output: **5:07:49**
